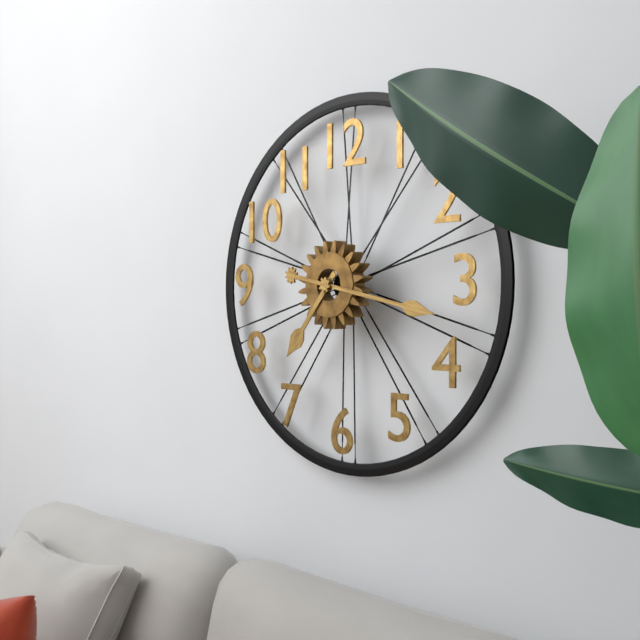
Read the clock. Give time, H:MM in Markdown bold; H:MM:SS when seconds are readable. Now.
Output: **7:17**
